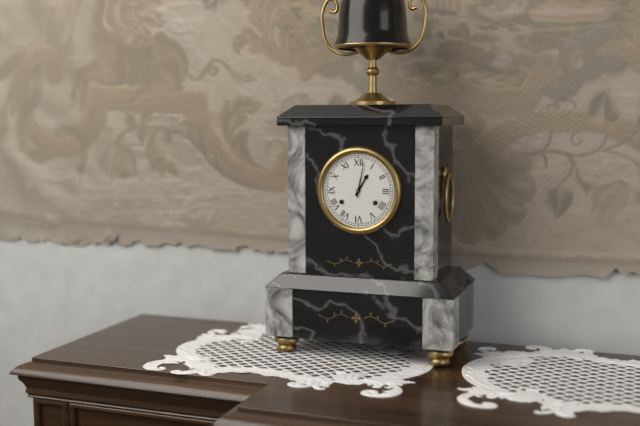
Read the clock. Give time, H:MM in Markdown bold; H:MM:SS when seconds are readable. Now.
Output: **1:02**
